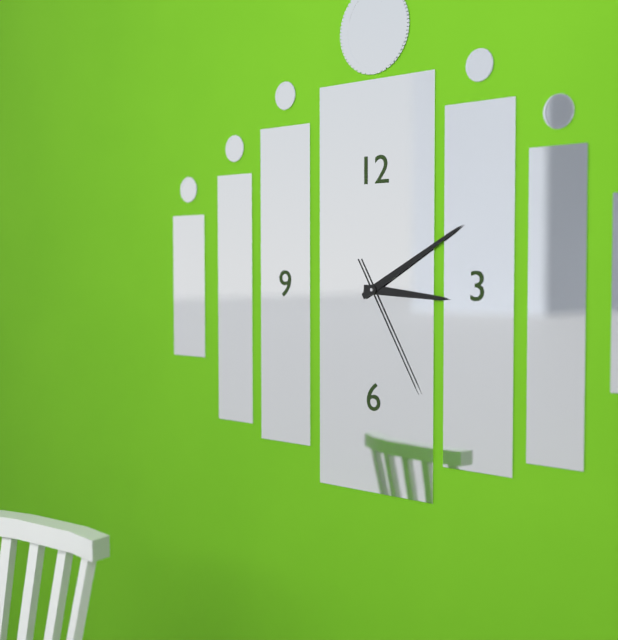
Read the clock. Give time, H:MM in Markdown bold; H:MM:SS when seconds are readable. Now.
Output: **3:10:25**
